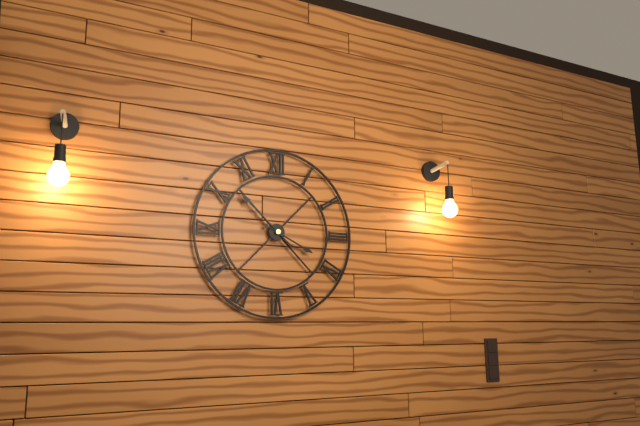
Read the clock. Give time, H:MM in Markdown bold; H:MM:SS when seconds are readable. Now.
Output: **3:52**
